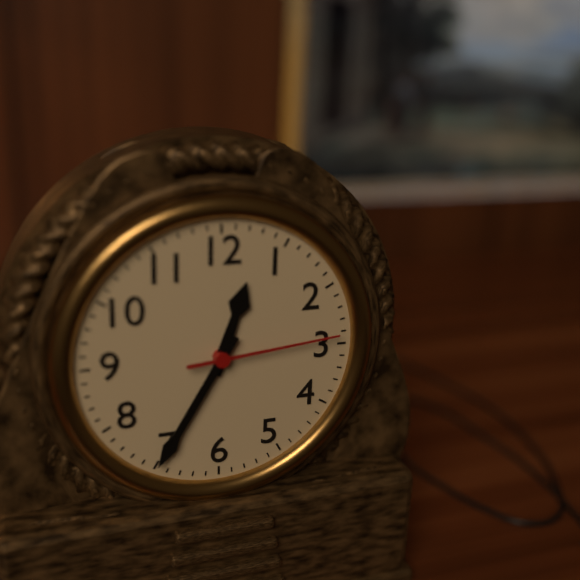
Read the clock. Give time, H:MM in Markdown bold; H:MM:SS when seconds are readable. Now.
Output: **12:35:14**
